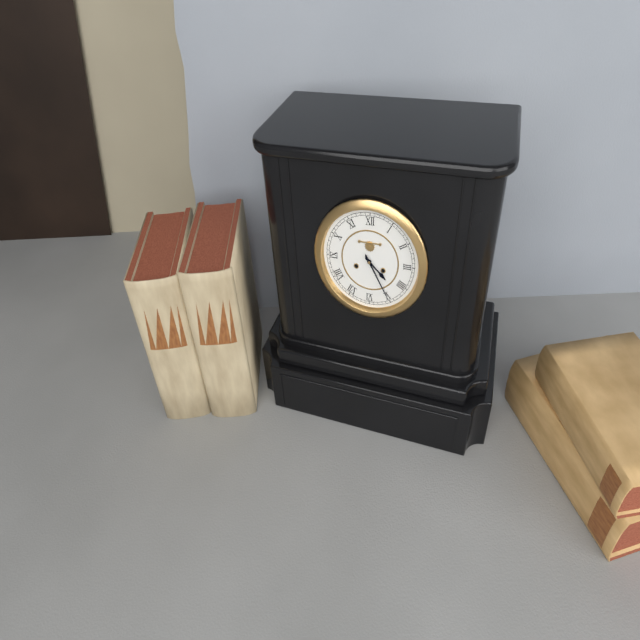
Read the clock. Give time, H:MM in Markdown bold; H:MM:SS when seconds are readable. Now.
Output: **4:25**
